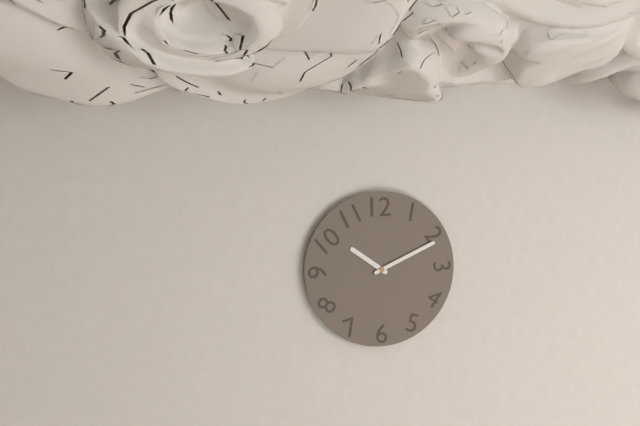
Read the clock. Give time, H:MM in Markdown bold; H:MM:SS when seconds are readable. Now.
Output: **10:11**
